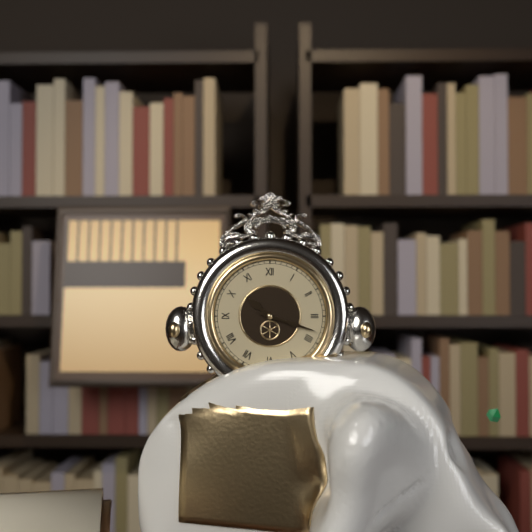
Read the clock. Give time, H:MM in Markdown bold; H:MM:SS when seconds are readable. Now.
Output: **10:18**
